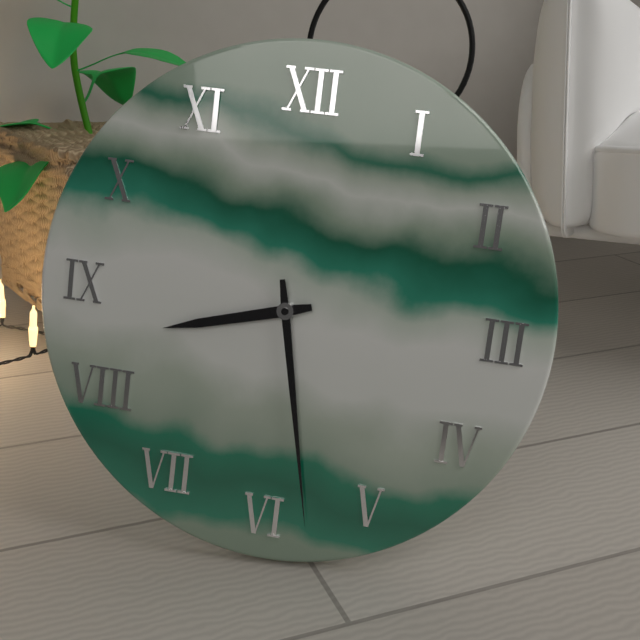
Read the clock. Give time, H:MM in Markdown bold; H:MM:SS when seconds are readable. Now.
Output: **8:28**
